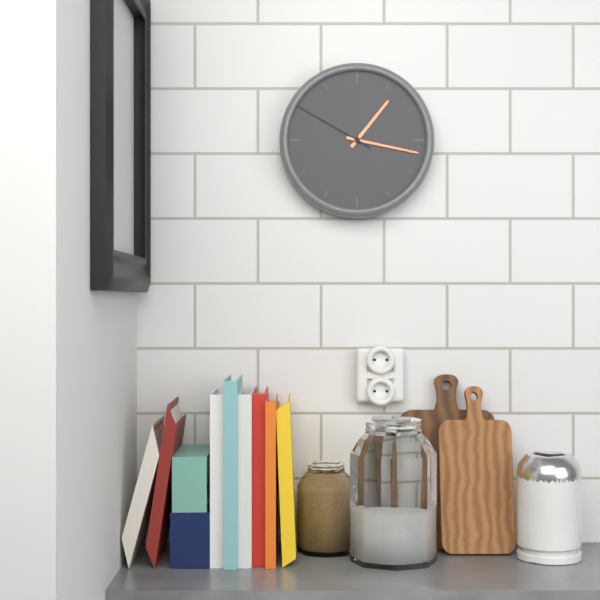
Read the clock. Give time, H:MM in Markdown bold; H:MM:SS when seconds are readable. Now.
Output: **1:17:50**
